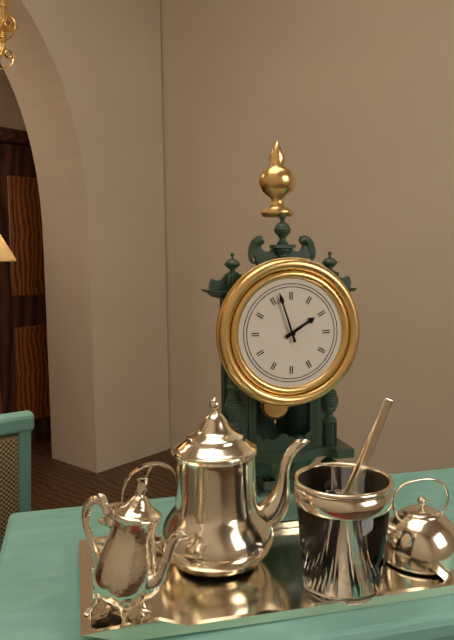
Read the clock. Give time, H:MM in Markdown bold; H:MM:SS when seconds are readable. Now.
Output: **1:57**
